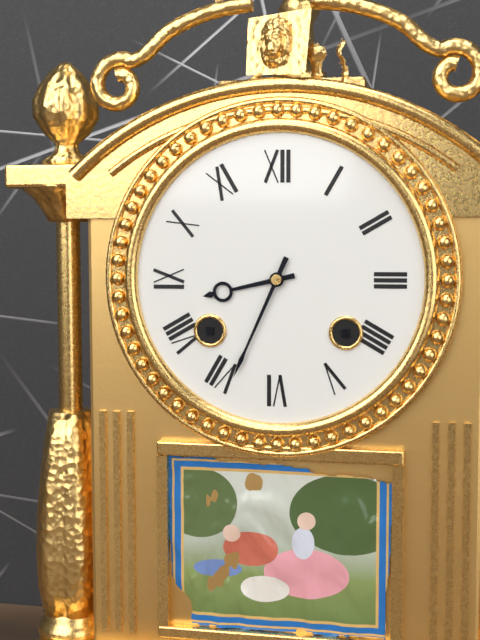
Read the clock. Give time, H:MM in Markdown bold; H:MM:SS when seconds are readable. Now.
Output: **8:34**
